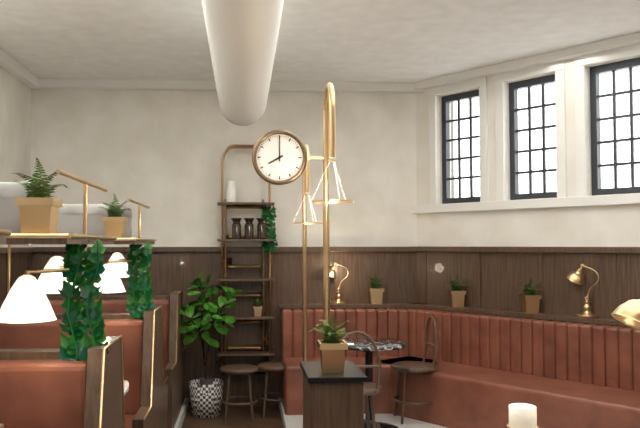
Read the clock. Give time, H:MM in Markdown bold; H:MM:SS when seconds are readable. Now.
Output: **8:00**
